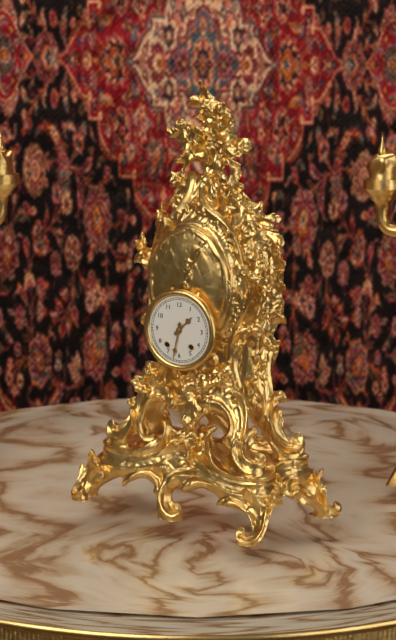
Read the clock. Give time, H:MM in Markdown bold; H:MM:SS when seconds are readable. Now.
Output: **1:32**
